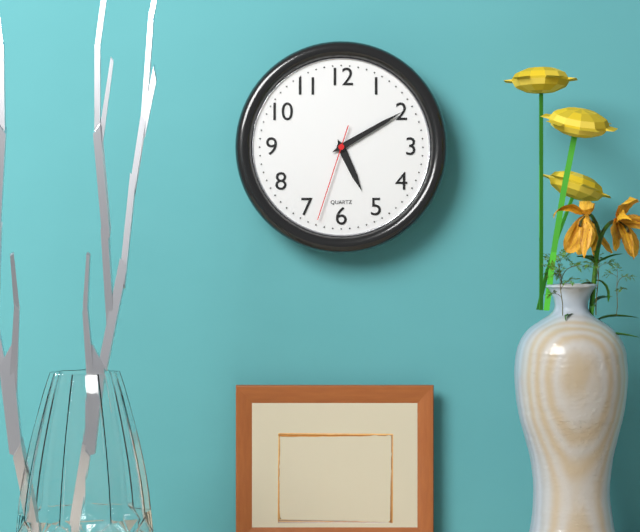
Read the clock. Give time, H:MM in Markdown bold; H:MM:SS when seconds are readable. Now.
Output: **5:10:33**
